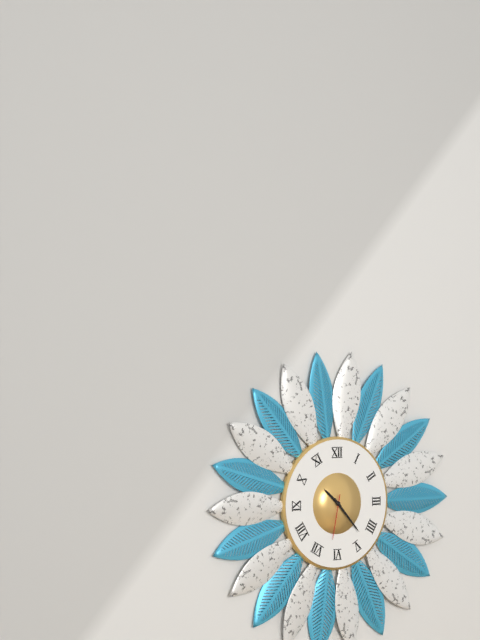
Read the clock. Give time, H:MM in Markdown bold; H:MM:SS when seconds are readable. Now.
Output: **10:23**
